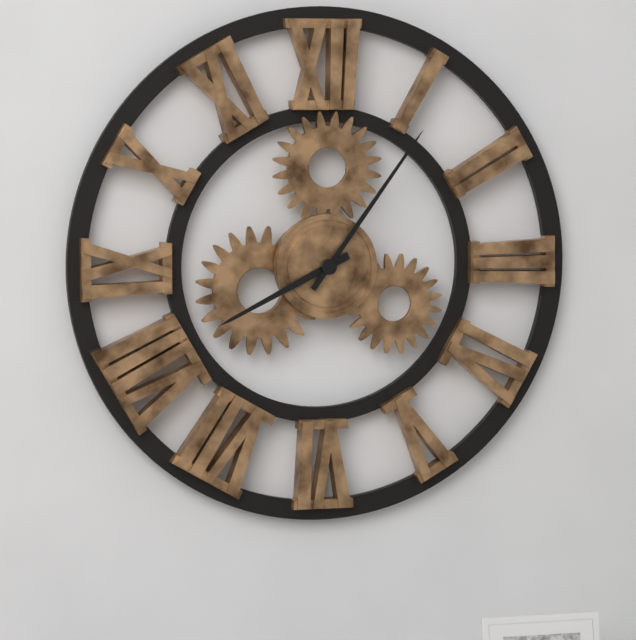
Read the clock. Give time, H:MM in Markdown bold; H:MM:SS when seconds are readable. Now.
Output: **8:06**
